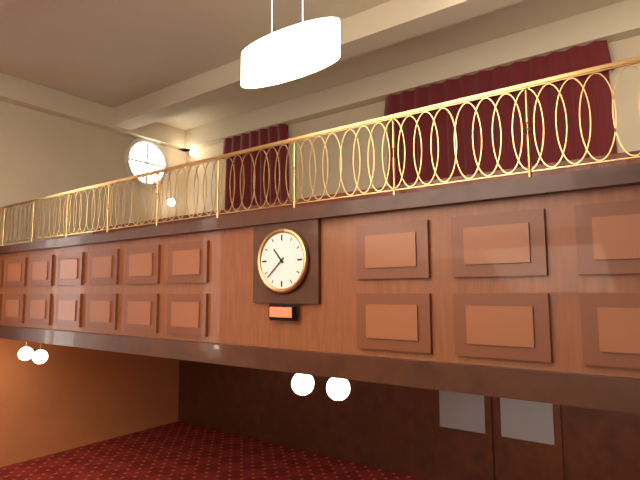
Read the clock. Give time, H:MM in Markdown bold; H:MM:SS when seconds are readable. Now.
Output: **10:38**
